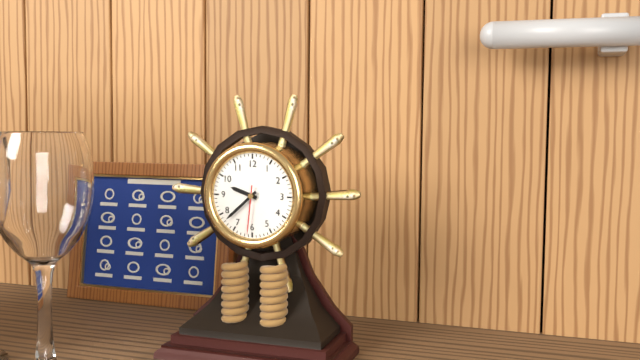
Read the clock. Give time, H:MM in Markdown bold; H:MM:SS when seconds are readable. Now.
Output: **9:38**
